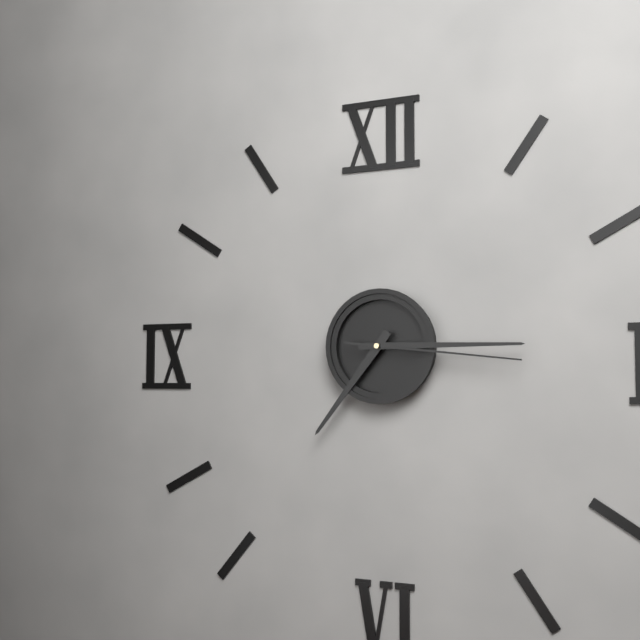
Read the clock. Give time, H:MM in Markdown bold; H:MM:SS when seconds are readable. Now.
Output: **7:15:16**
